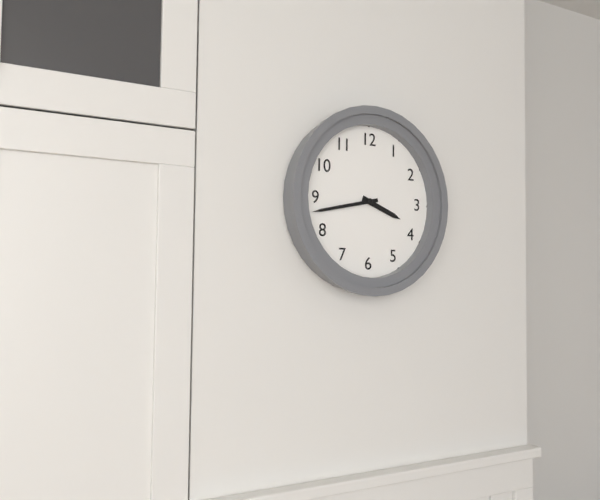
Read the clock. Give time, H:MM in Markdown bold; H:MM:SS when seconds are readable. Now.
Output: **3:43**
